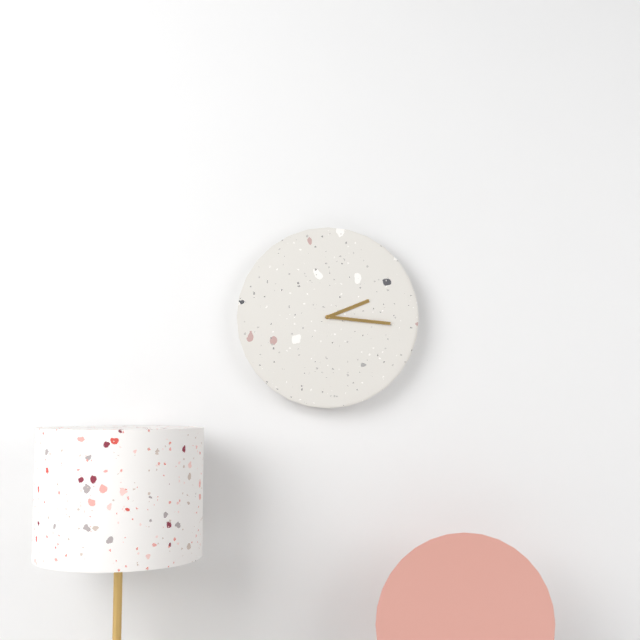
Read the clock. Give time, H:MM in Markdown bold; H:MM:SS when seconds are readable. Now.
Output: **2:16**
